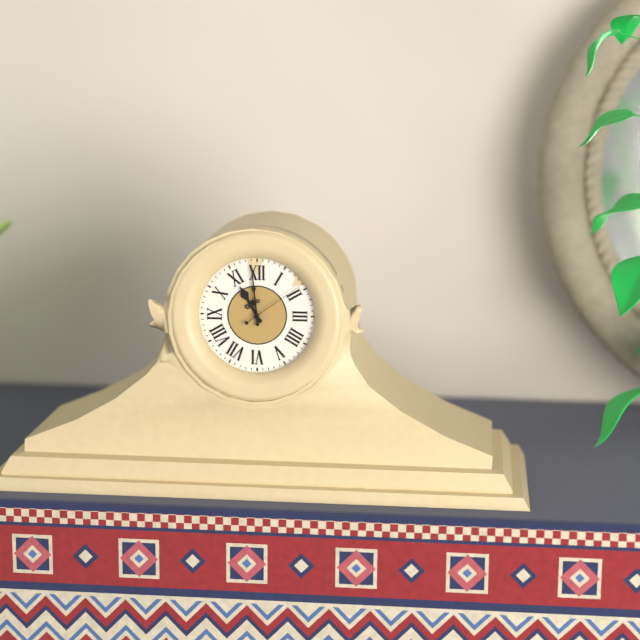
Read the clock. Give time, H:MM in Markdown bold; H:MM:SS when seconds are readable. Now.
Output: **10:59:09**
